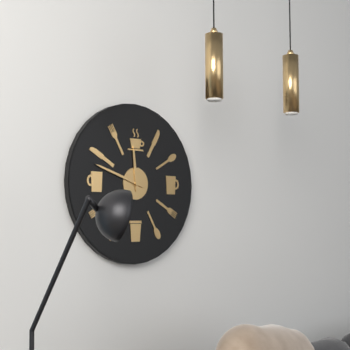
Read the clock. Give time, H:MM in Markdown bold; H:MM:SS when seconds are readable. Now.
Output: **11:48**
